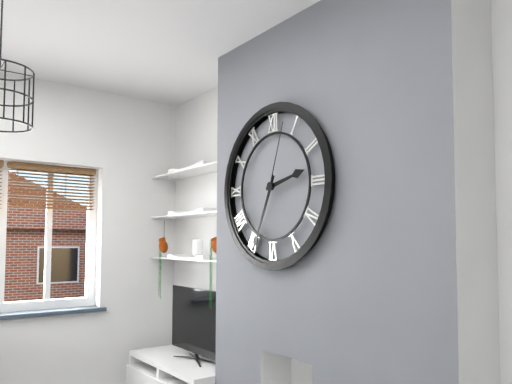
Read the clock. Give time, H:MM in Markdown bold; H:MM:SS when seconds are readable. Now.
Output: **2:34:03**
